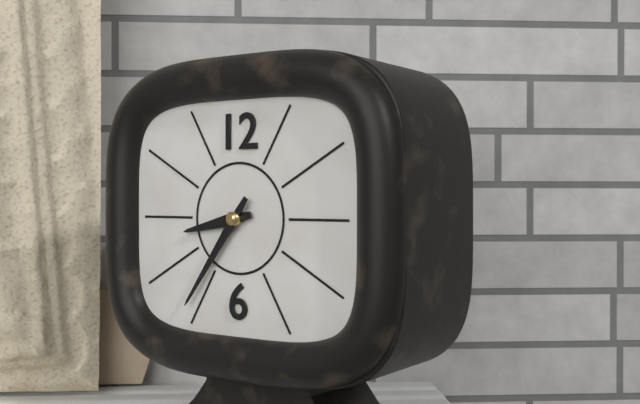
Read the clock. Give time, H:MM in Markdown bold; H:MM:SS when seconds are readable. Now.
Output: **8:36**
